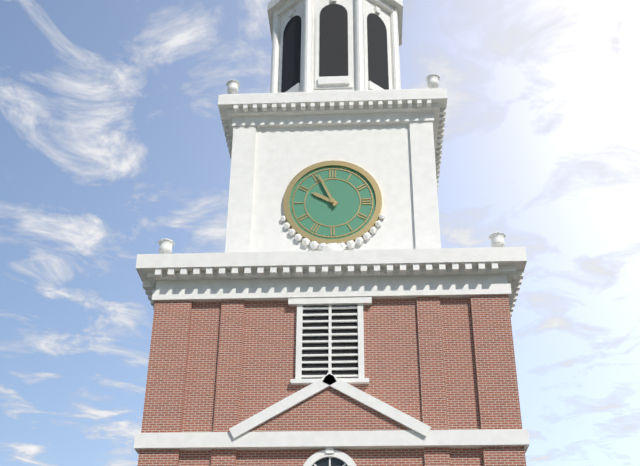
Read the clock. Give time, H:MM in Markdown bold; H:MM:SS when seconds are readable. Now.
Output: **9:56**
